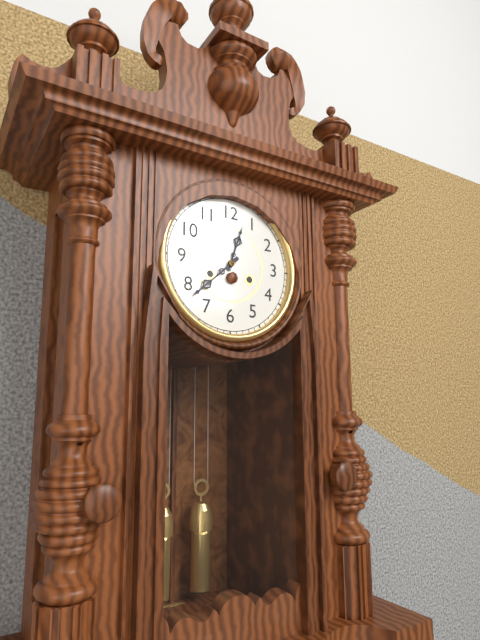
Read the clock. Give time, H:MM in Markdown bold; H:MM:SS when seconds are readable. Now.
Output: **12:38**
